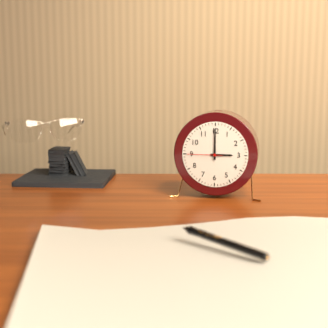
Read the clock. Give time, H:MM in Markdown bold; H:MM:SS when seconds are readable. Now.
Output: **3:00**
